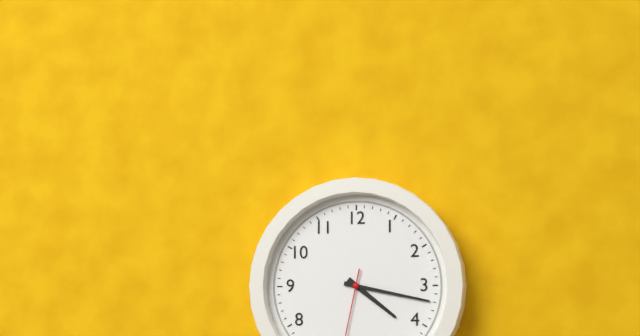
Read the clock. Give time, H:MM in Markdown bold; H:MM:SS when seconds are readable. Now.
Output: **4:17**
